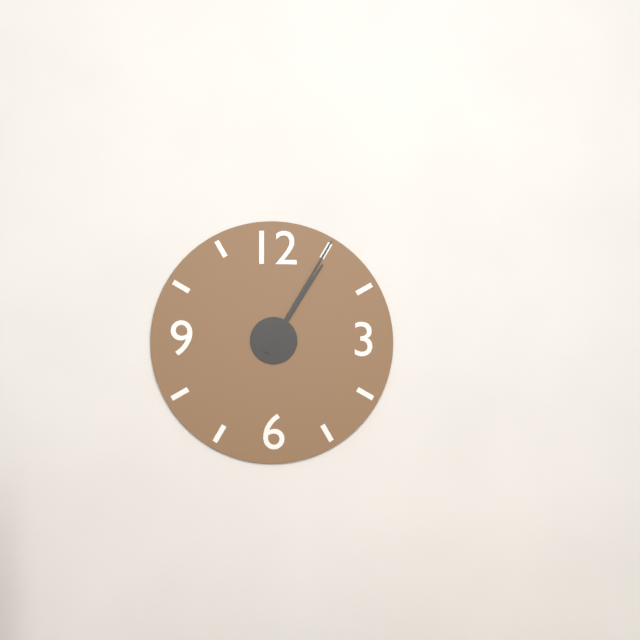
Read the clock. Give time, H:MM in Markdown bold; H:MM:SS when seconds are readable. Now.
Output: **1:05**
